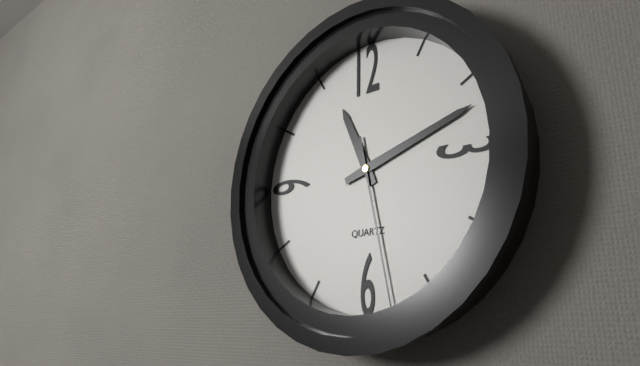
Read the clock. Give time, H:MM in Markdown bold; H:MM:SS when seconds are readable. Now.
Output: **11:12:28**
